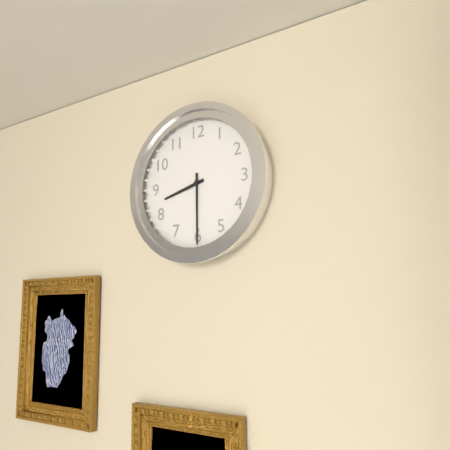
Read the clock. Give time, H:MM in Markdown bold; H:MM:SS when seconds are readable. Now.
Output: **8:30**
